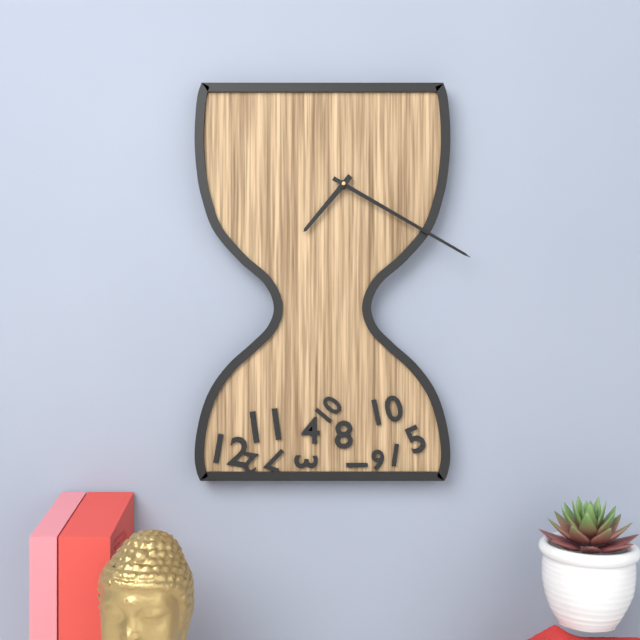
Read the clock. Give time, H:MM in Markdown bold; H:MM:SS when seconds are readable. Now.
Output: **7:20**
